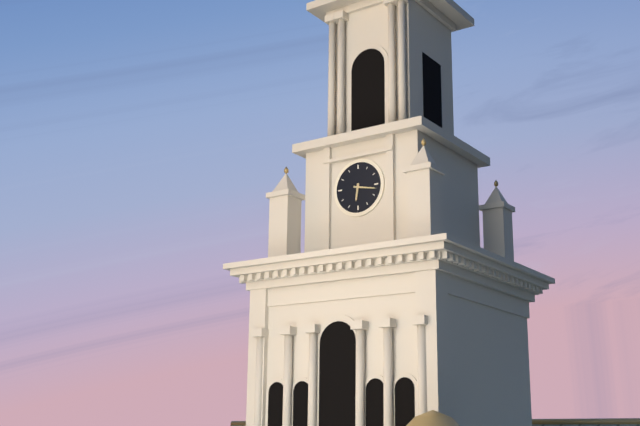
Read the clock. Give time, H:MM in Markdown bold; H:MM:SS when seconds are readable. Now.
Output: **6:17**
